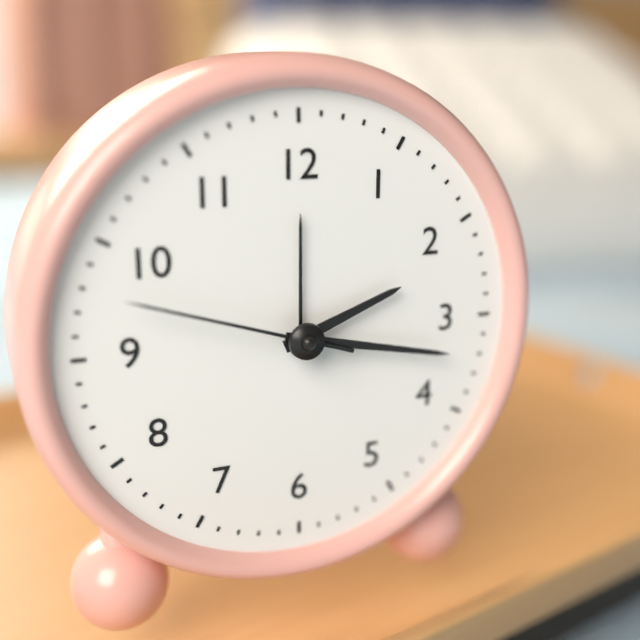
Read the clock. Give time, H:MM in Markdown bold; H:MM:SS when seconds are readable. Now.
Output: **2:17:48**
